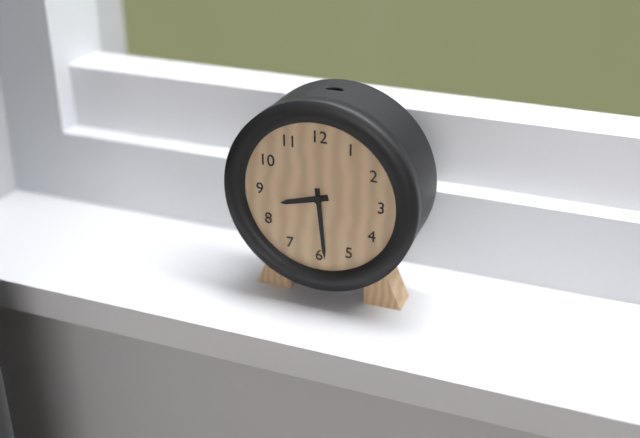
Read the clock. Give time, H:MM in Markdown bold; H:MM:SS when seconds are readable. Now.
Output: **8:29**
